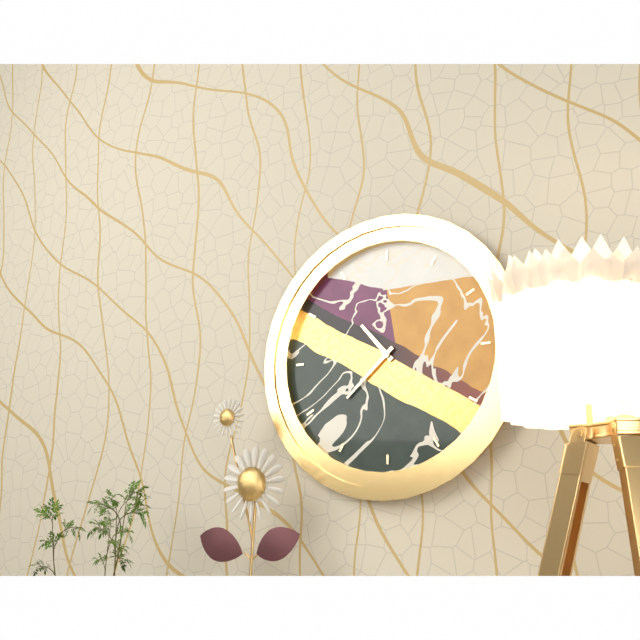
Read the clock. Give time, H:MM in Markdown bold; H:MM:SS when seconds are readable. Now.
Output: **10:38**
